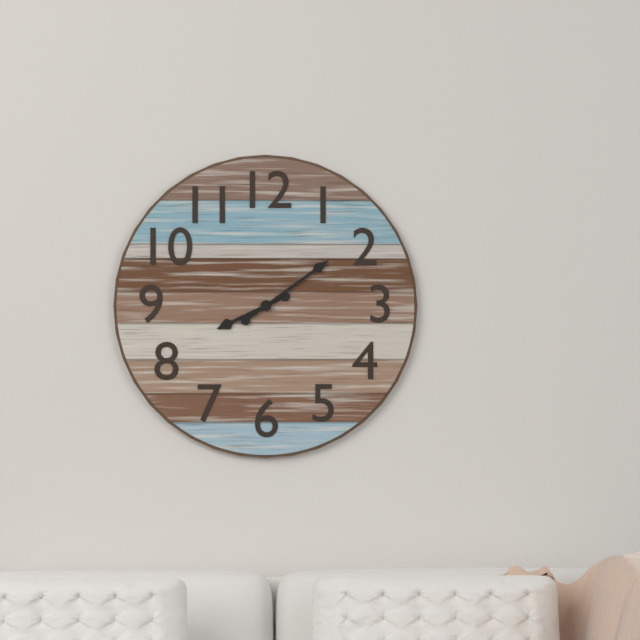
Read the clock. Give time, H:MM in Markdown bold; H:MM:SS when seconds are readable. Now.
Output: **8:09**
